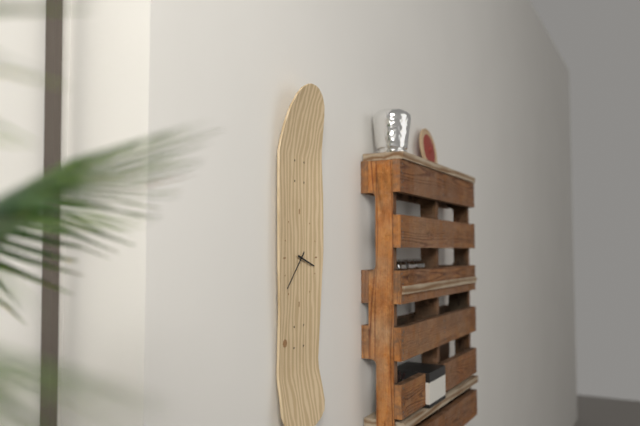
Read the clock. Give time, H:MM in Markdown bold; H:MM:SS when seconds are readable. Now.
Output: **3:37**
